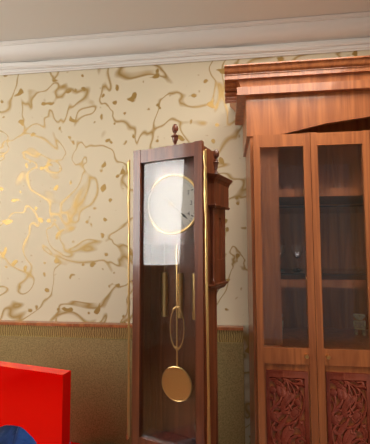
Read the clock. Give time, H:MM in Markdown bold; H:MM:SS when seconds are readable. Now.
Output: **10:22**
